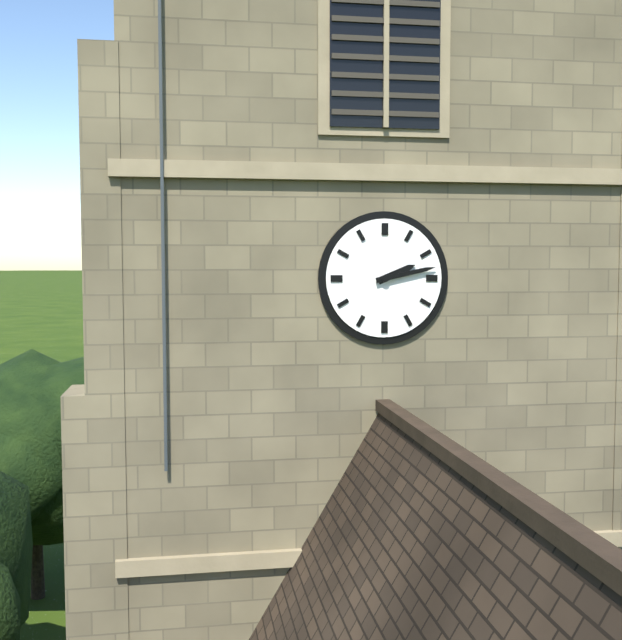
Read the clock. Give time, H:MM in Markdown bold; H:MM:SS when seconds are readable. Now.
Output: **2:13**
